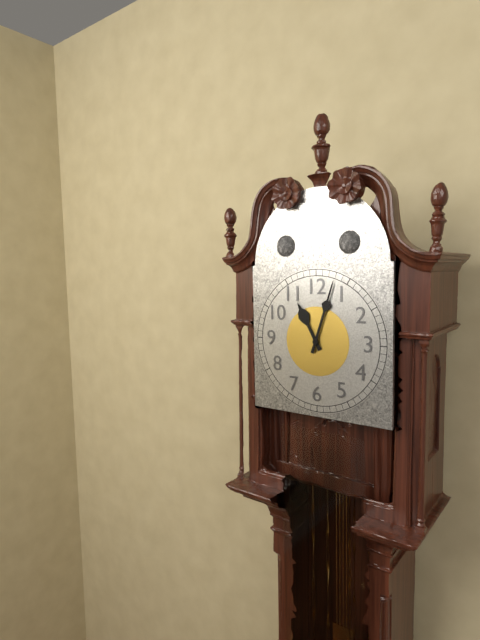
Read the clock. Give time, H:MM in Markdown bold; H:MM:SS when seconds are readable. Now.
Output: **11:03**
